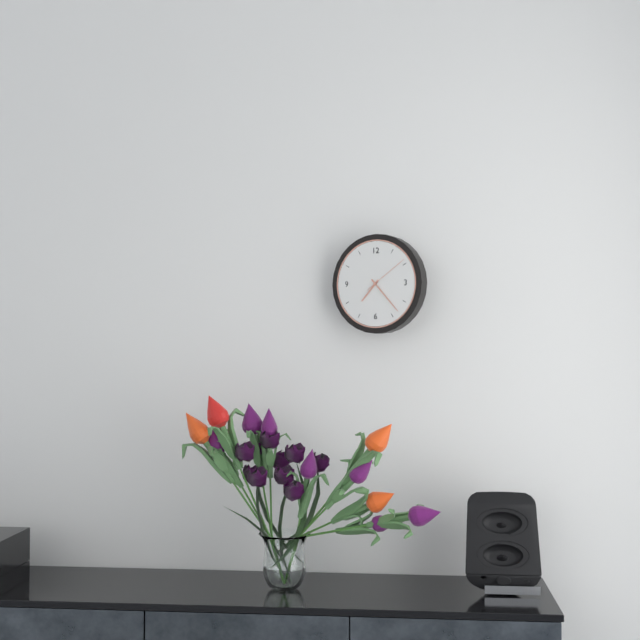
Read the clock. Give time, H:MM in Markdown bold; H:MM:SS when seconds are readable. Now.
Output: **7:23**
